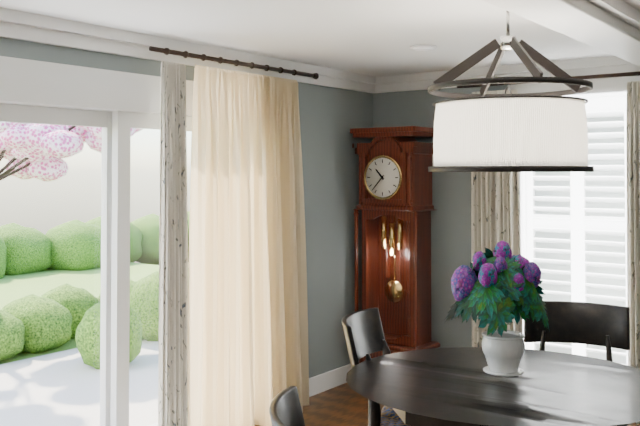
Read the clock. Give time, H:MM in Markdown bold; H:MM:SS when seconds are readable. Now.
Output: **10:37**
